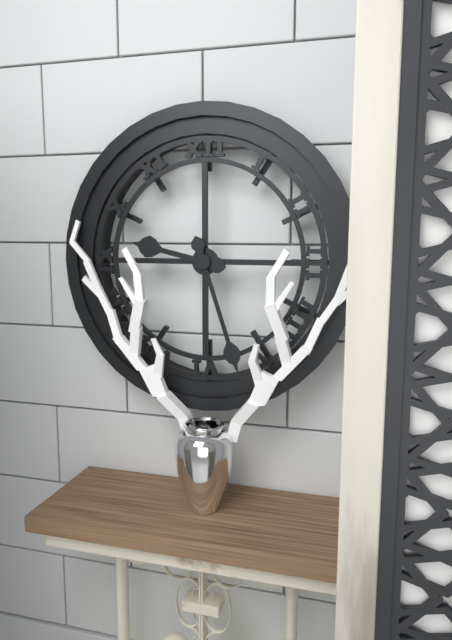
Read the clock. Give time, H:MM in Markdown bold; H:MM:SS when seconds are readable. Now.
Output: **9:27**
